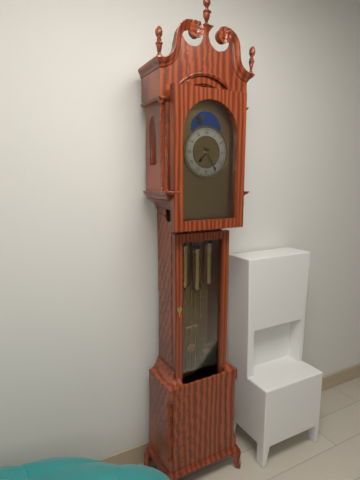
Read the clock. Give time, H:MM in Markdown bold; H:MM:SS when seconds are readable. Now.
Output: **7:25**
